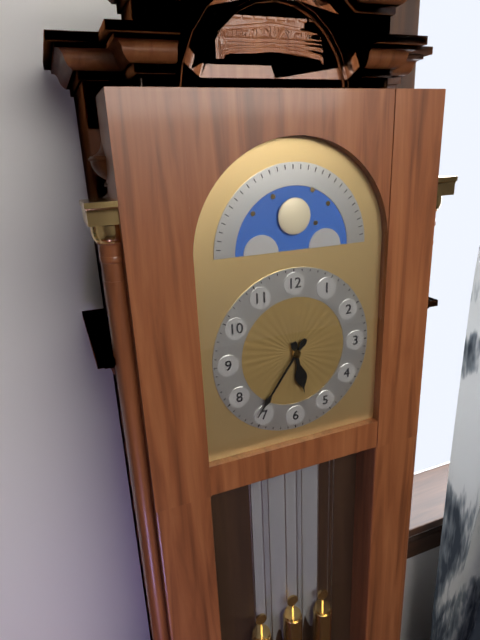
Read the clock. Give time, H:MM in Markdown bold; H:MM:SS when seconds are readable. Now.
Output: **5:36**
